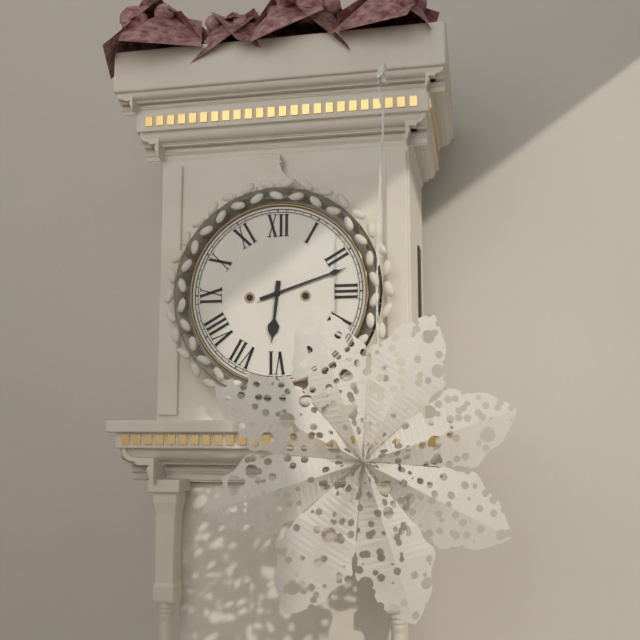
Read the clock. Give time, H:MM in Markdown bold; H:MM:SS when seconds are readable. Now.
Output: **6:12**
